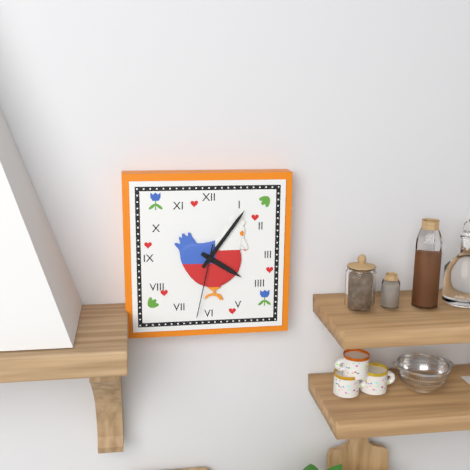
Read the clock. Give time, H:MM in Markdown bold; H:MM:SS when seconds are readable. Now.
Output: **4:06:32**
